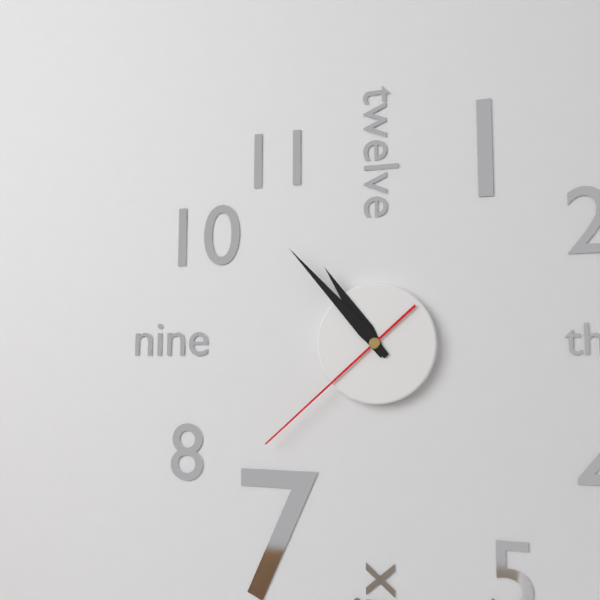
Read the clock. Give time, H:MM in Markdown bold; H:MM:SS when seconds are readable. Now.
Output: **10:53:38**
